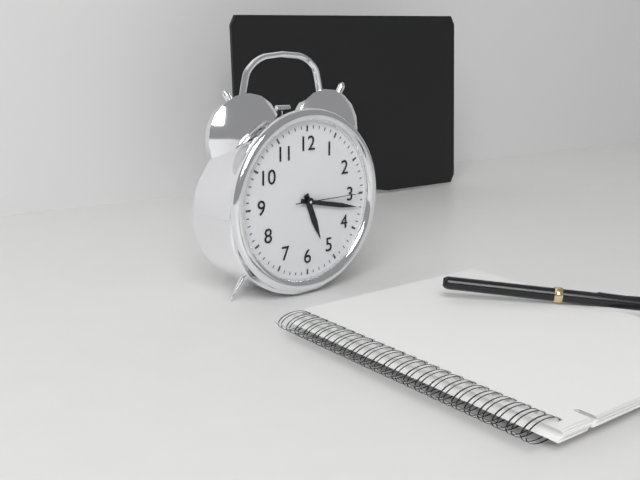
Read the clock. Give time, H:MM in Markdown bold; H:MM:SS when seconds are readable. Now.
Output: **5:17:15**
